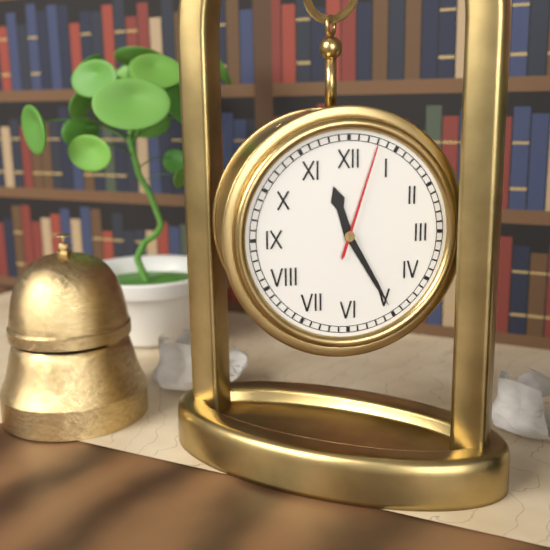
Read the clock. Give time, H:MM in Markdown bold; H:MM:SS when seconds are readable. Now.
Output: **11:25:03**
